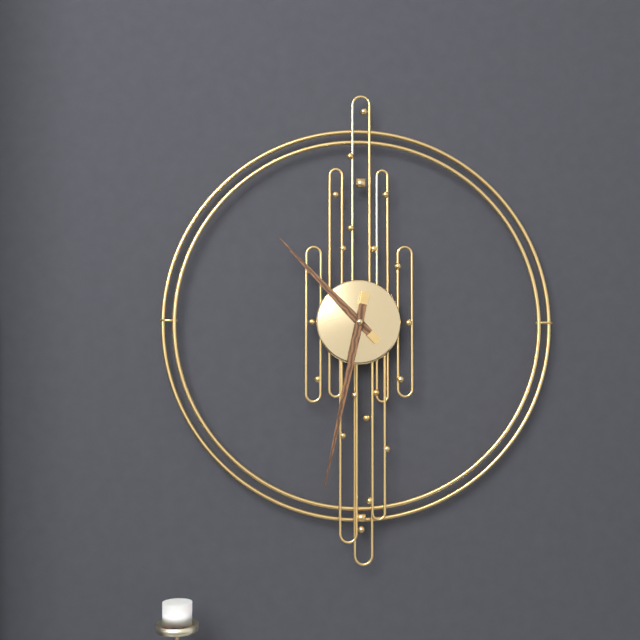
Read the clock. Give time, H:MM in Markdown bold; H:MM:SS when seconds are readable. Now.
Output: **10:32**
